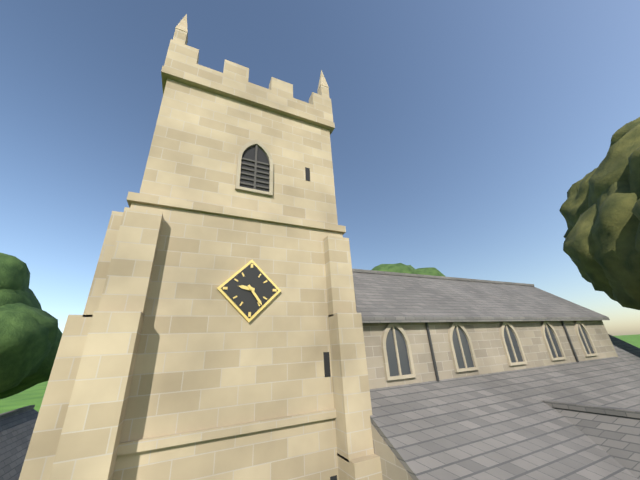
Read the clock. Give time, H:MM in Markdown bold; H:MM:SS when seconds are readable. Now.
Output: **9:24**
